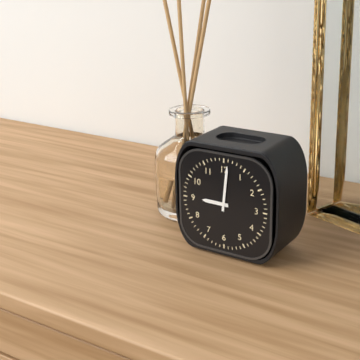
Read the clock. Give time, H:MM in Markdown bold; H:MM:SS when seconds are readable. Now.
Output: **9:01**
